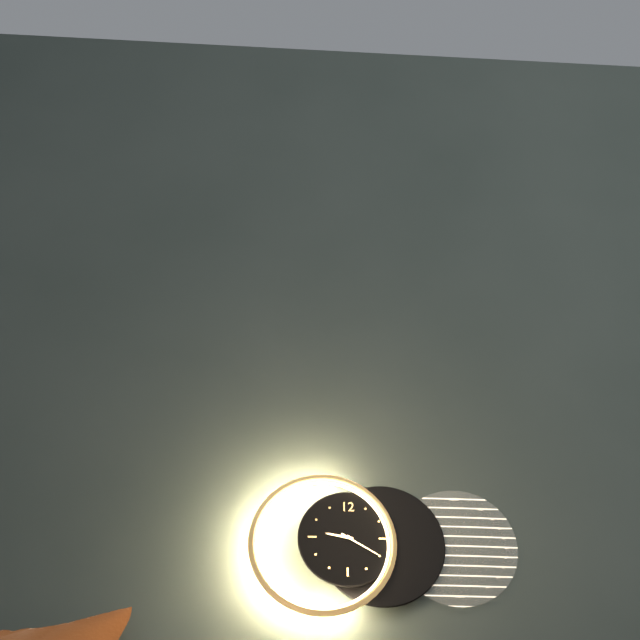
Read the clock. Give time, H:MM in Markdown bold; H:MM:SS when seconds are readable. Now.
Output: **9:20**
